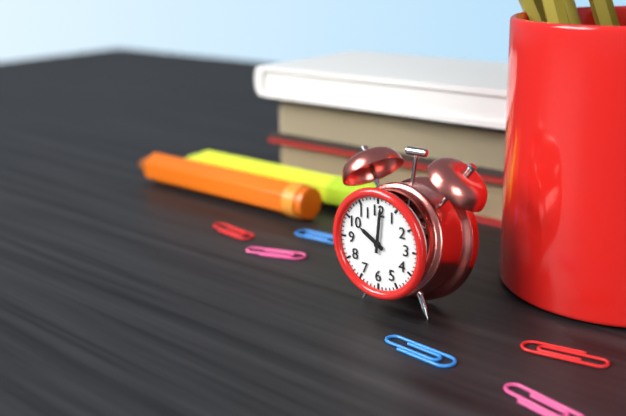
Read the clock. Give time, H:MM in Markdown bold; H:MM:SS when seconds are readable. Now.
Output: **10:01**
